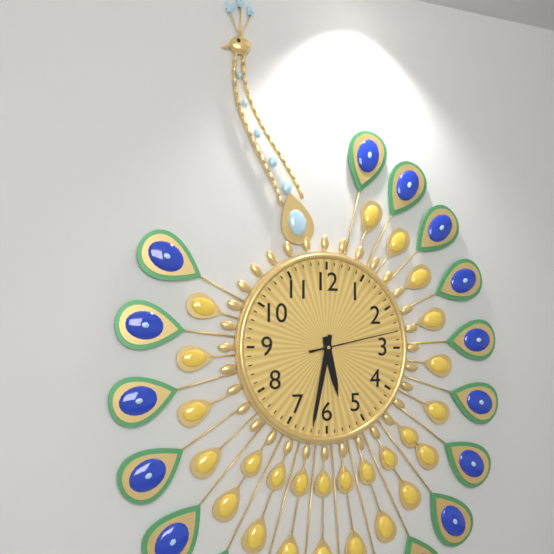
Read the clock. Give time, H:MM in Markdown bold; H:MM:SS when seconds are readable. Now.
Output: **5:32:13**
